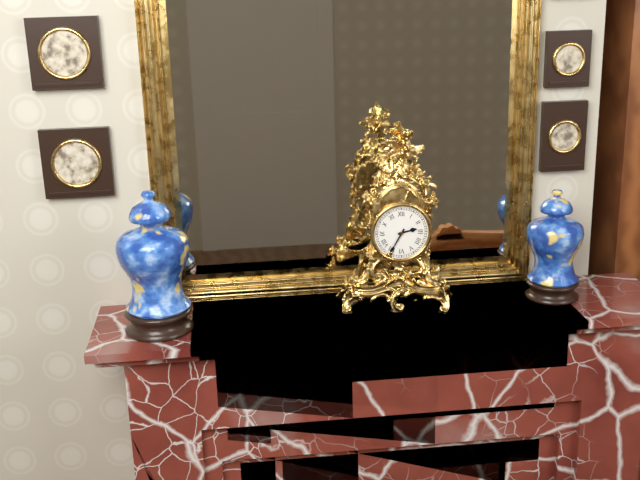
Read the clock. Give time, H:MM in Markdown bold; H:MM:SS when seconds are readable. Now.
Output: **2:35**
